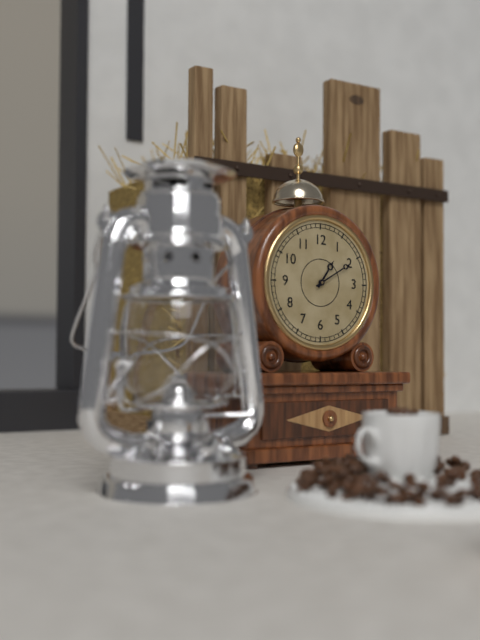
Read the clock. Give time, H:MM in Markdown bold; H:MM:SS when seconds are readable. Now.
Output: **1:10**
